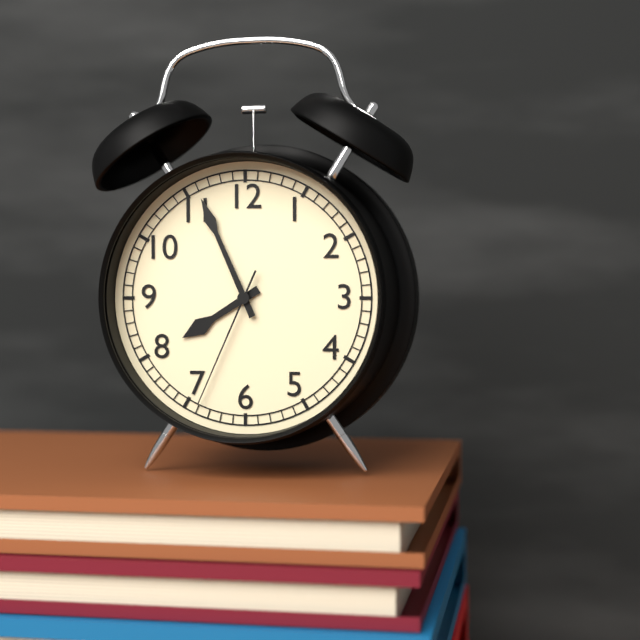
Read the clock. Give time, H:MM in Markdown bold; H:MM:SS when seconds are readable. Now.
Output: **7:56:34**
